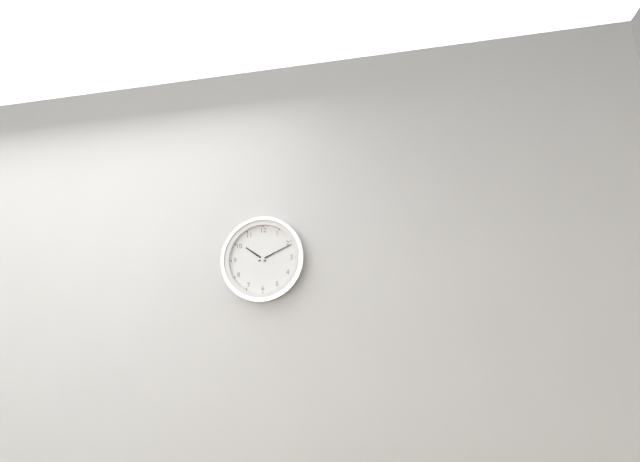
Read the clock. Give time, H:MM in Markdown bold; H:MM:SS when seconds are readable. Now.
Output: **10:11**
